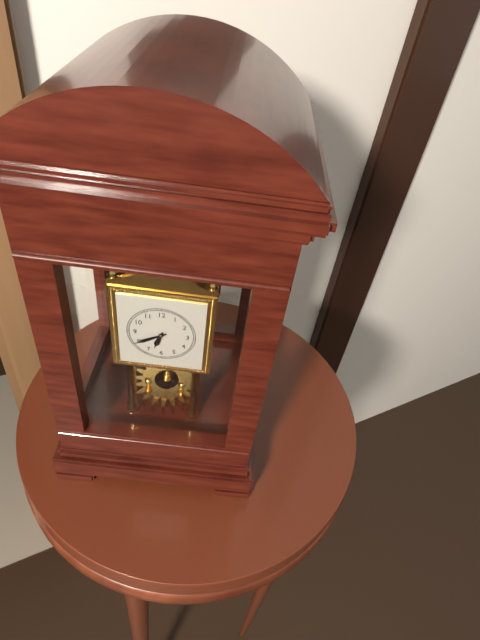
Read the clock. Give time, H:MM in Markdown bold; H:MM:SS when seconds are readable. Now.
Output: **6:40**
